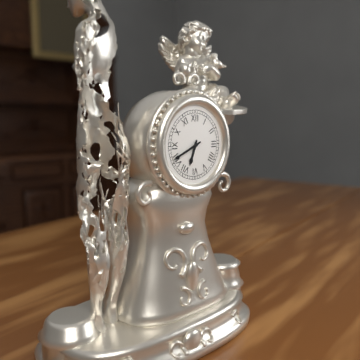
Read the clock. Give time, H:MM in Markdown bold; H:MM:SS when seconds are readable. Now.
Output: **6:41**
